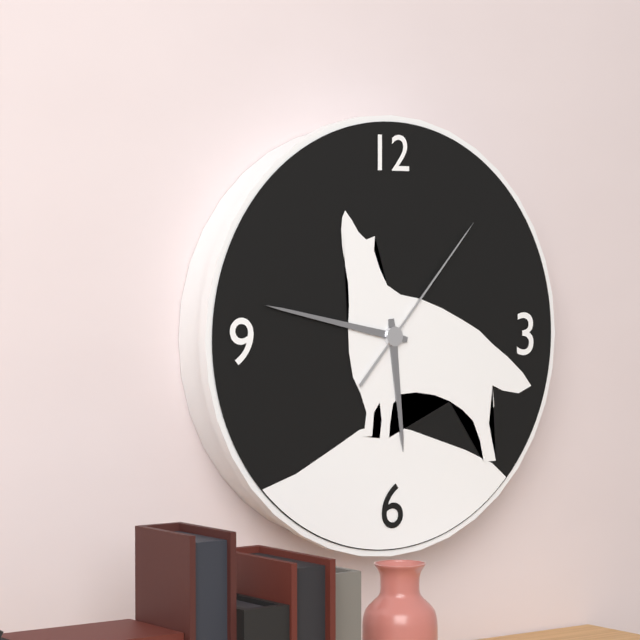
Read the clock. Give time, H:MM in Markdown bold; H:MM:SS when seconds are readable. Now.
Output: **5:47:07**
